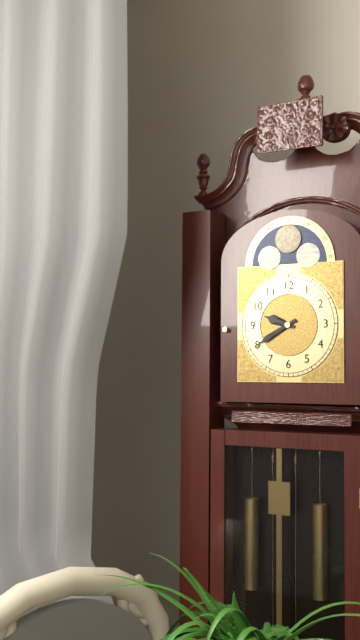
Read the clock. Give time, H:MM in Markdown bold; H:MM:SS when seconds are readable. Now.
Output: **9:40**
